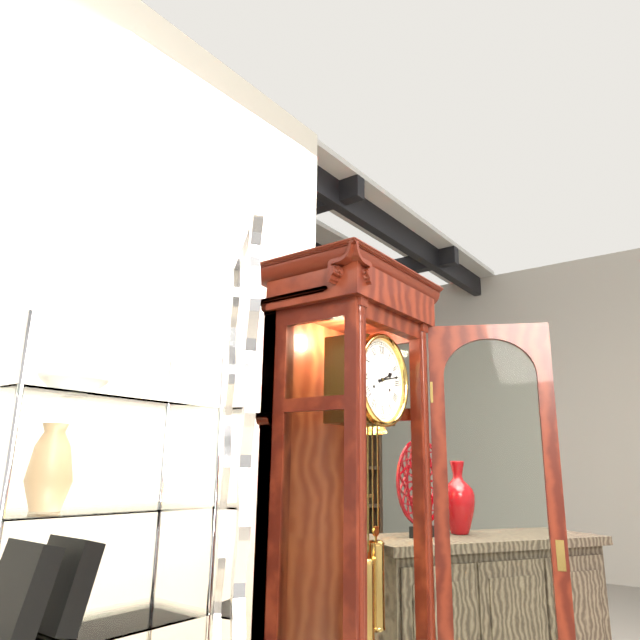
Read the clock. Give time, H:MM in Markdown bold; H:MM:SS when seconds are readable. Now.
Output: **2:13**
